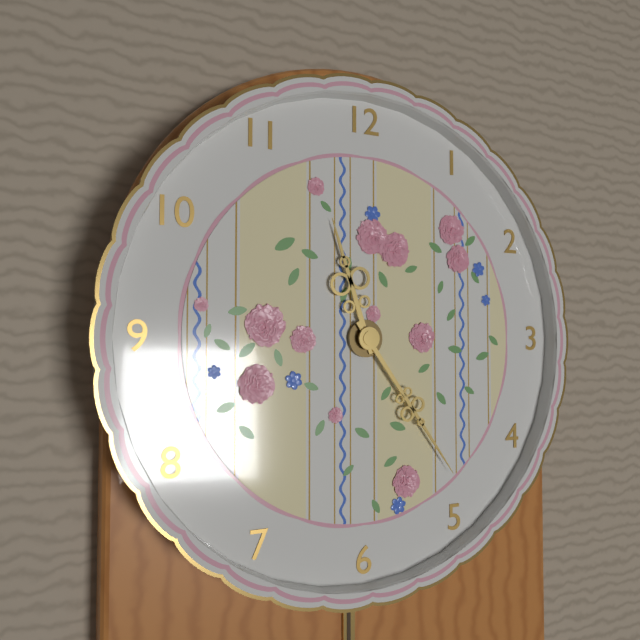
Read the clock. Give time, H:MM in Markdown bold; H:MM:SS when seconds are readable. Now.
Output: **11:24**
